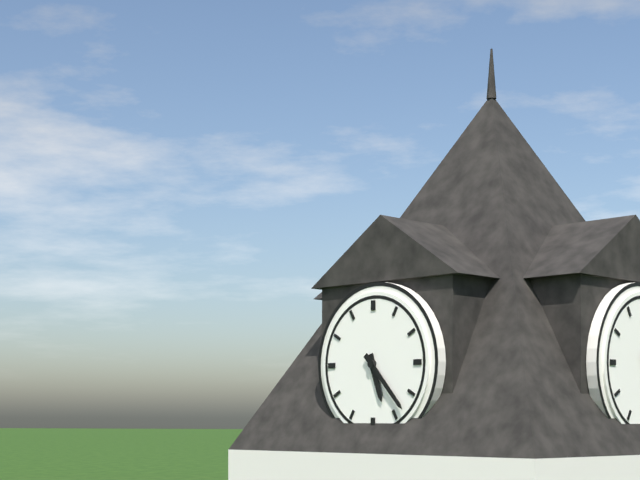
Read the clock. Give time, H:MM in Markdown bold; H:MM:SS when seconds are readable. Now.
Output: **5:23**
